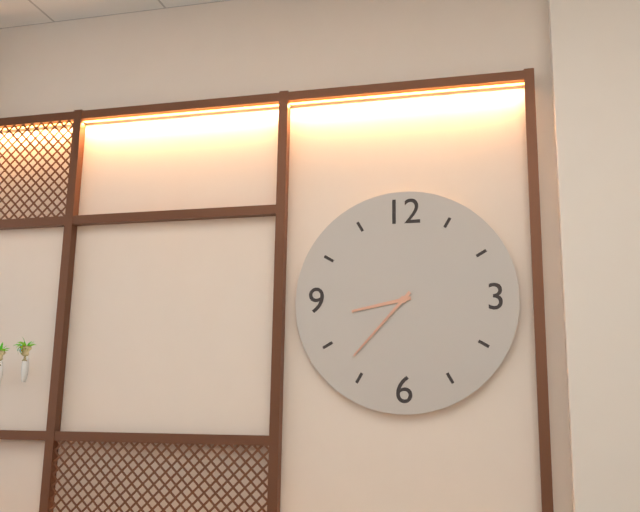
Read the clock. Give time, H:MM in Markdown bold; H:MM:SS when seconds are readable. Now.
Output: **8:37**
